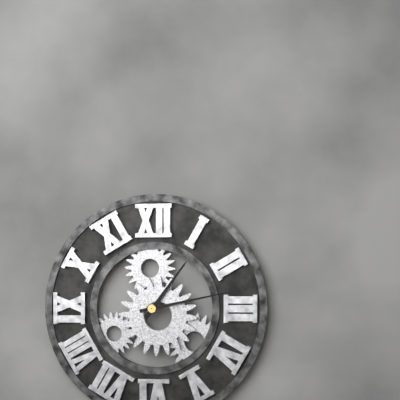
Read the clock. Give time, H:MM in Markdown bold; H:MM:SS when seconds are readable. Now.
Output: **1:13**
